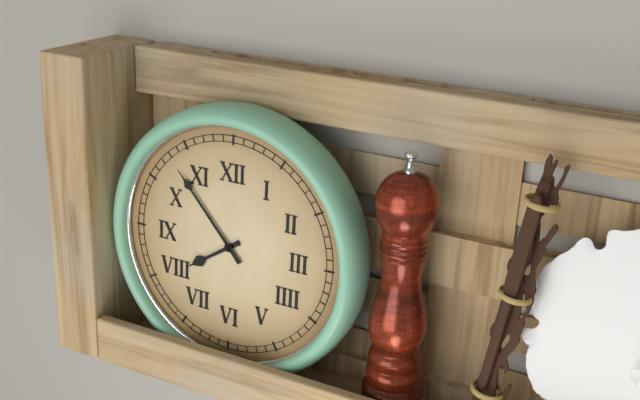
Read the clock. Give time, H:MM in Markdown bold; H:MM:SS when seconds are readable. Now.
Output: **7:53**
